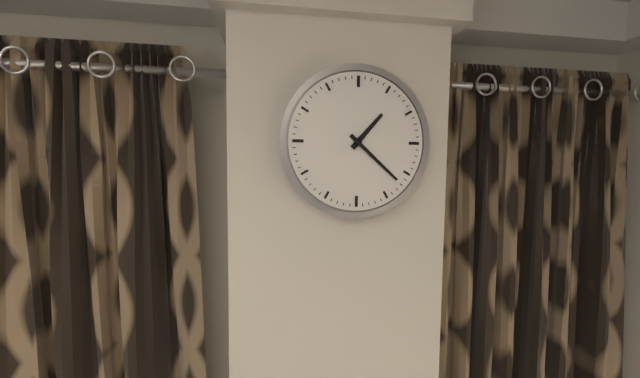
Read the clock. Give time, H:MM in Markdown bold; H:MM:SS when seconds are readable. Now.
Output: **1:22**
